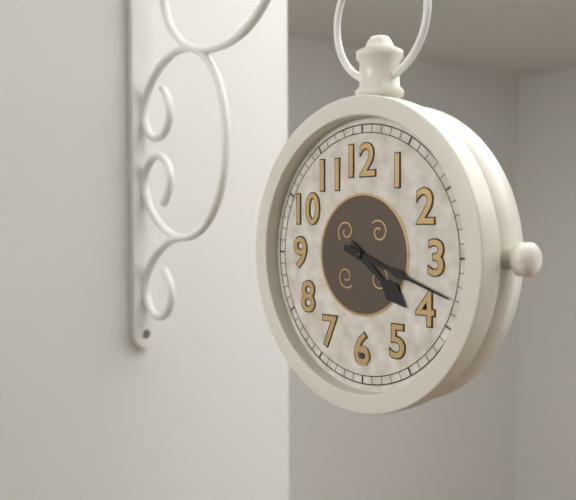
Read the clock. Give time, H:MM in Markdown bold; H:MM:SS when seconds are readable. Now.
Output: **4:18**
